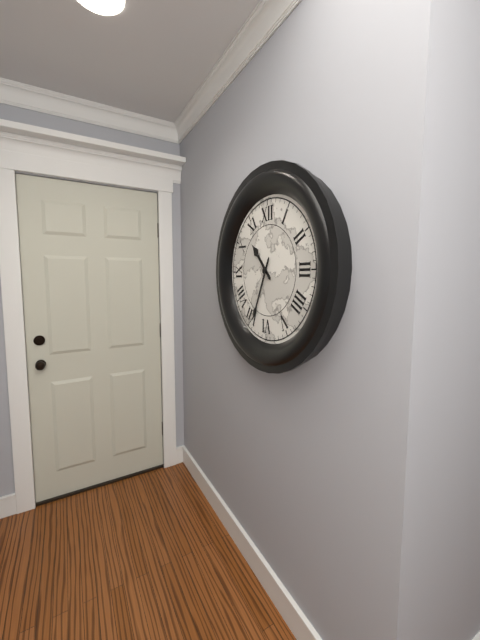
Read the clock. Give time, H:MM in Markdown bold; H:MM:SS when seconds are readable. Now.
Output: **10:34**
